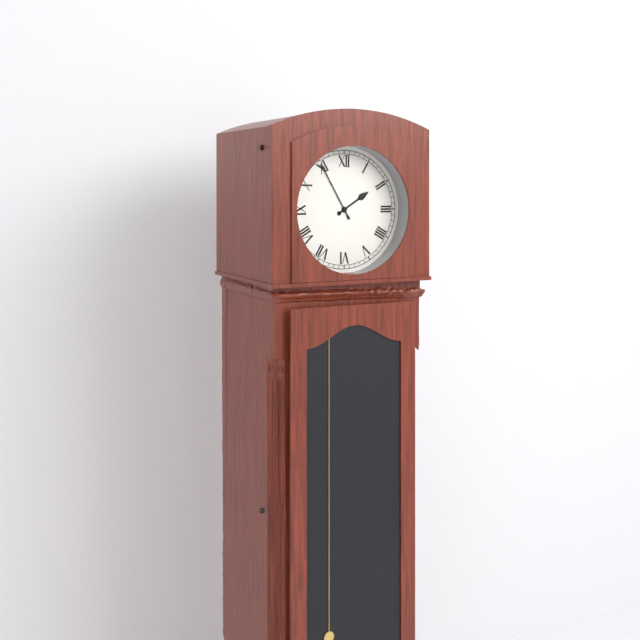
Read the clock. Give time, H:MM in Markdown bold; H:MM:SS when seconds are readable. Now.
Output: **1:55**
